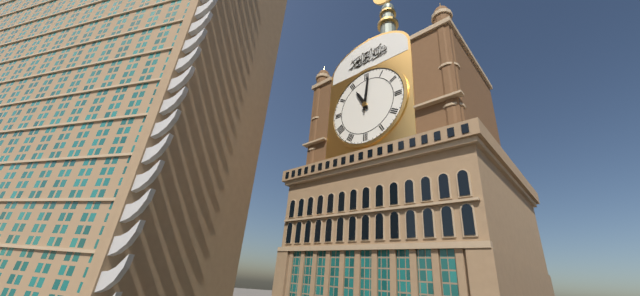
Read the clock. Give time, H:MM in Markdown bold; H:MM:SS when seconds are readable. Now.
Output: **11:01**
